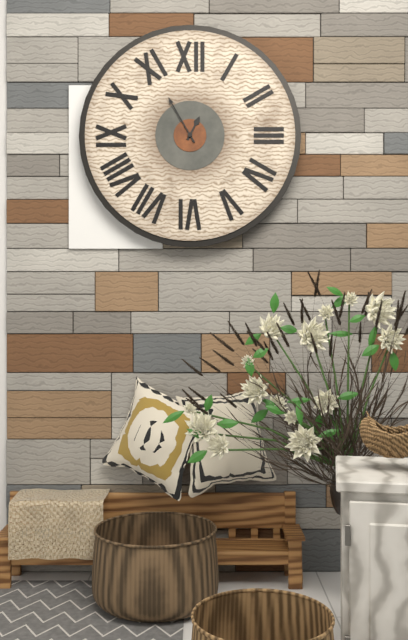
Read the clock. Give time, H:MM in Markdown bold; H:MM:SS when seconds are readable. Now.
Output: **12:55**
